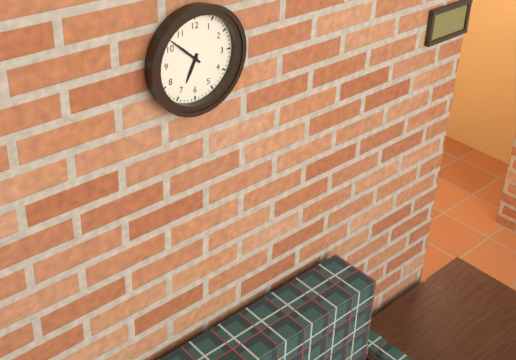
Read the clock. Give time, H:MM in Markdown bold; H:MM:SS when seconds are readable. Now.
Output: **6:52**
